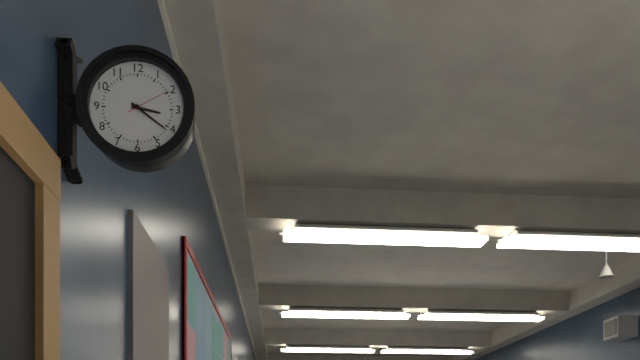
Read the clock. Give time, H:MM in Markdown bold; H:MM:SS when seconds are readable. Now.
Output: **3:21**
